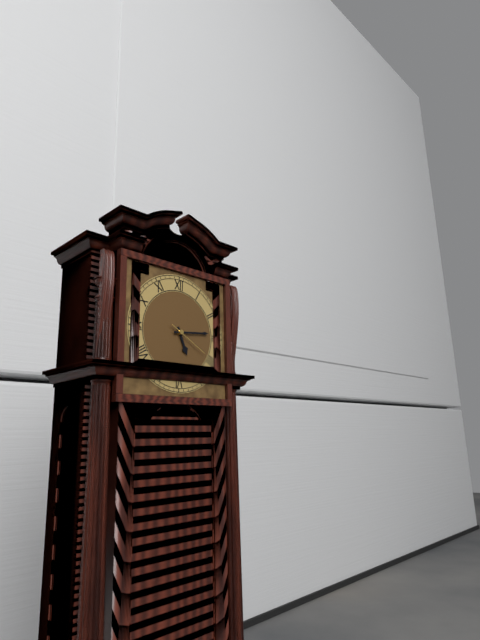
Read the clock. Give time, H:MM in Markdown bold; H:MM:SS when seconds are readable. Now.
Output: **5:14**
